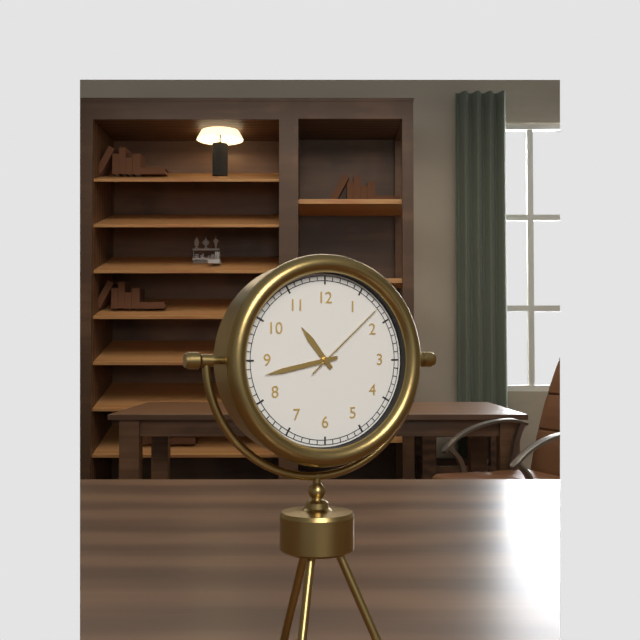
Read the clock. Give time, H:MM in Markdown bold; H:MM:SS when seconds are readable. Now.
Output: **10:43:08**
